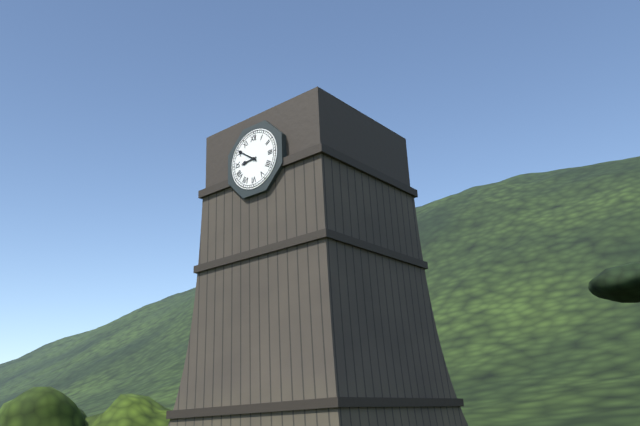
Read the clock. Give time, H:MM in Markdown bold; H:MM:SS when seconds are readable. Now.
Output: **8:51**
